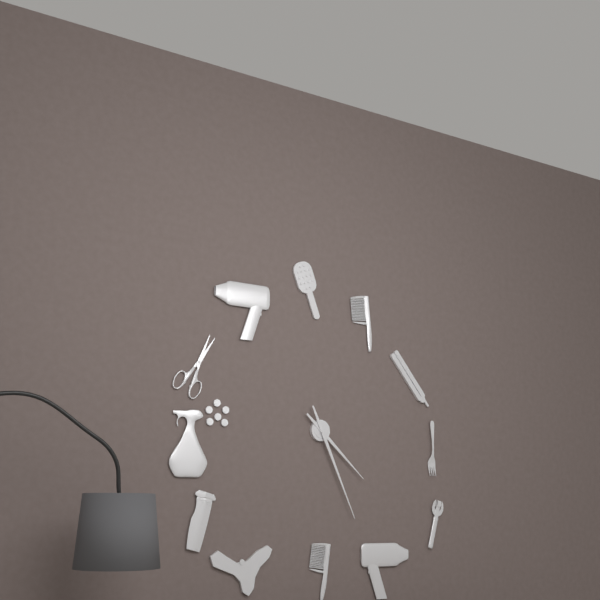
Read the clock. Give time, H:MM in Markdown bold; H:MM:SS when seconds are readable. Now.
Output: **4:26**
